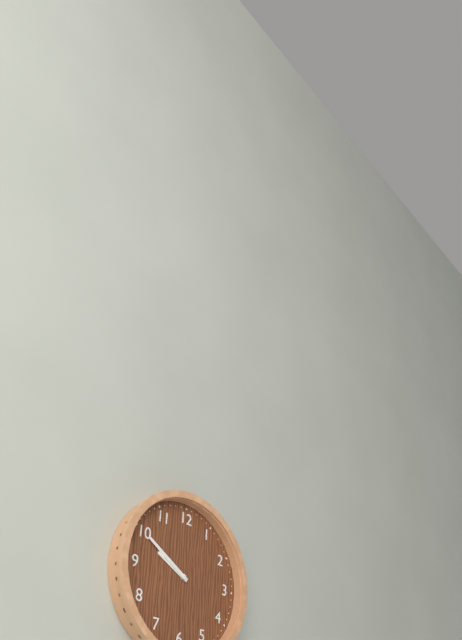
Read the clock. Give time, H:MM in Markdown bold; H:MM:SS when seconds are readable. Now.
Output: **9:50**
